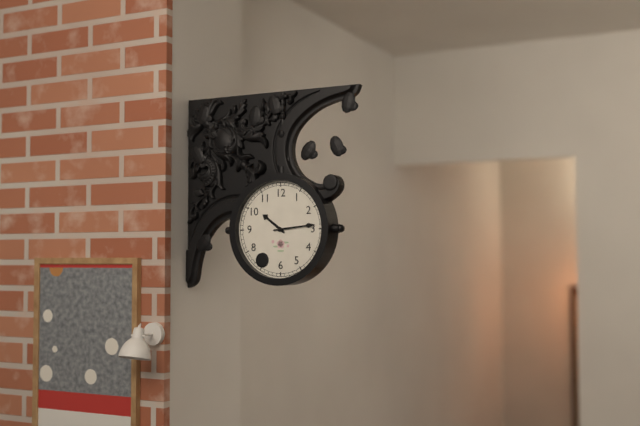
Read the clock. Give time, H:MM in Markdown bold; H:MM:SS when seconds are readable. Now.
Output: **10:14**
